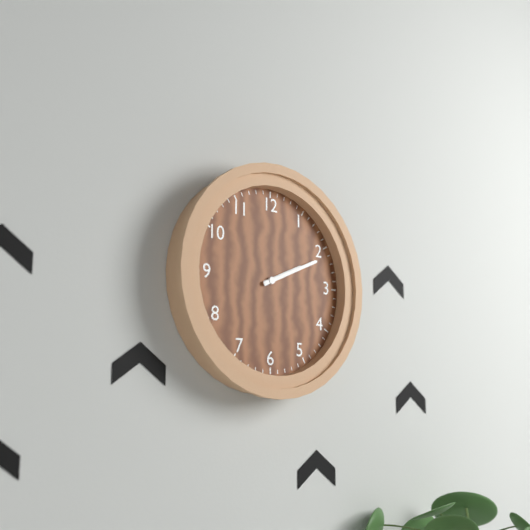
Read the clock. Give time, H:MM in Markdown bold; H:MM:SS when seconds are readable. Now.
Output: **2:11**
